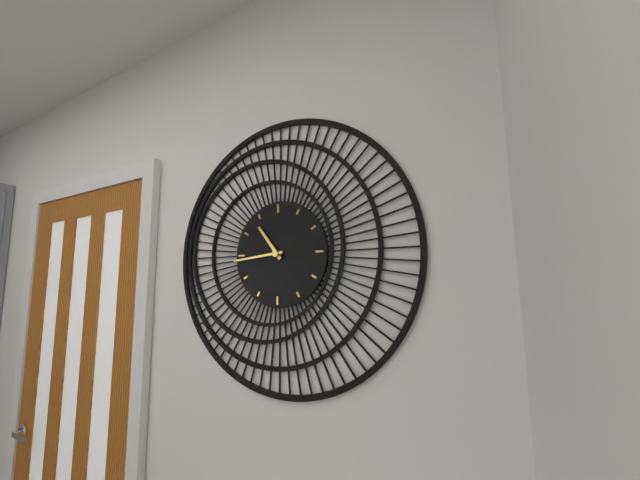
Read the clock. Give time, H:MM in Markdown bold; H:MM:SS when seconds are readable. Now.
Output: **10:44**
